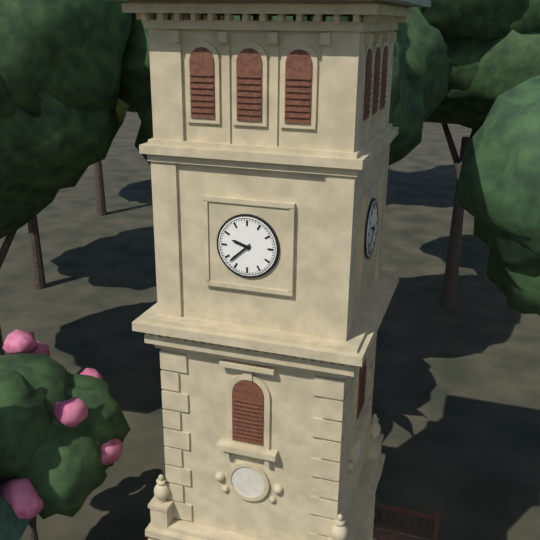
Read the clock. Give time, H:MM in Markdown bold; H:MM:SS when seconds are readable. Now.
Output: **9:38**
